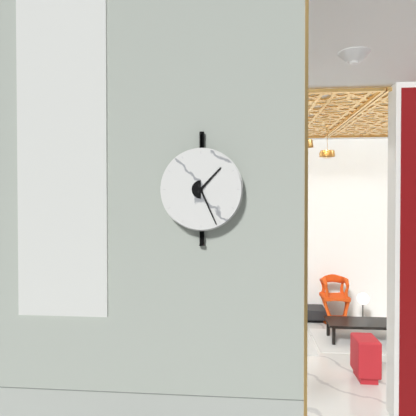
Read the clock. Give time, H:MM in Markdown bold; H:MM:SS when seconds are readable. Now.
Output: **1:26**
